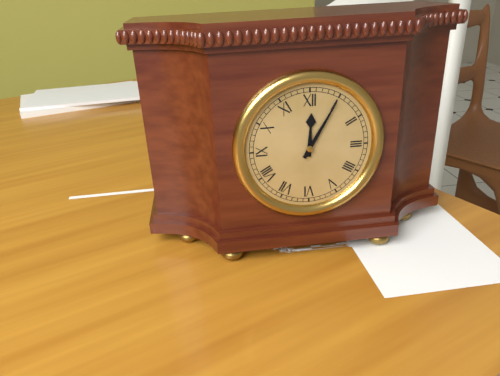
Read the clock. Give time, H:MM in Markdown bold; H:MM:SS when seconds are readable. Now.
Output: **12:05**
